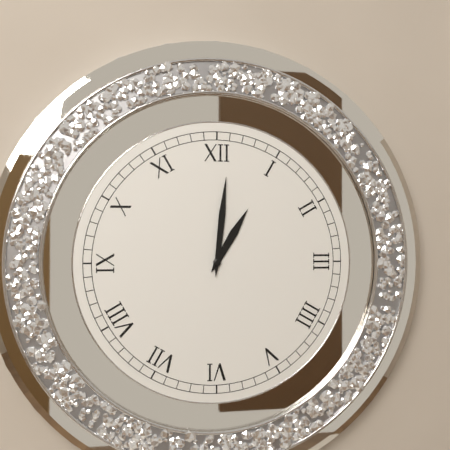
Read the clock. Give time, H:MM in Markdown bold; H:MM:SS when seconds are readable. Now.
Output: **1:01**
